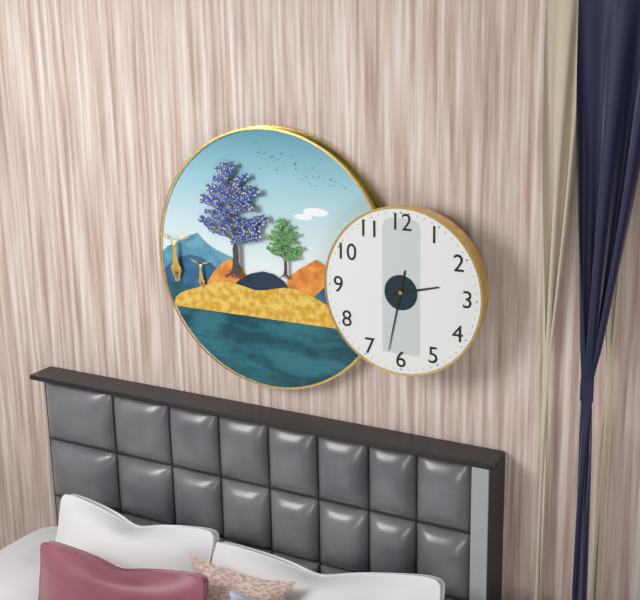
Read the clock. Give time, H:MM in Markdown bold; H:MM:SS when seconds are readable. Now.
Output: **2:32**
